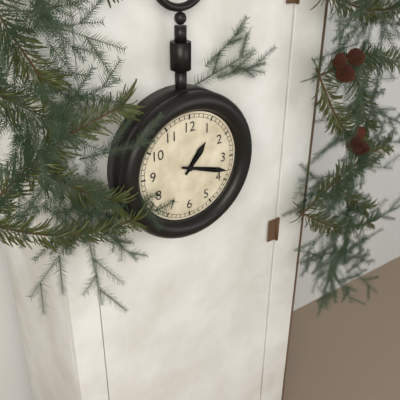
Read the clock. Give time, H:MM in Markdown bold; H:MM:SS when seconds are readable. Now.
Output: **1:18**
